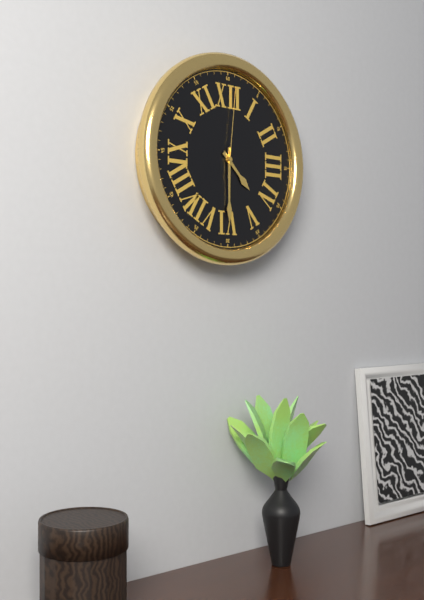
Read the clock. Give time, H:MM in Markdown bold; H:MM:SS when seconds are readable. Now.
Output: **4:30:01**
